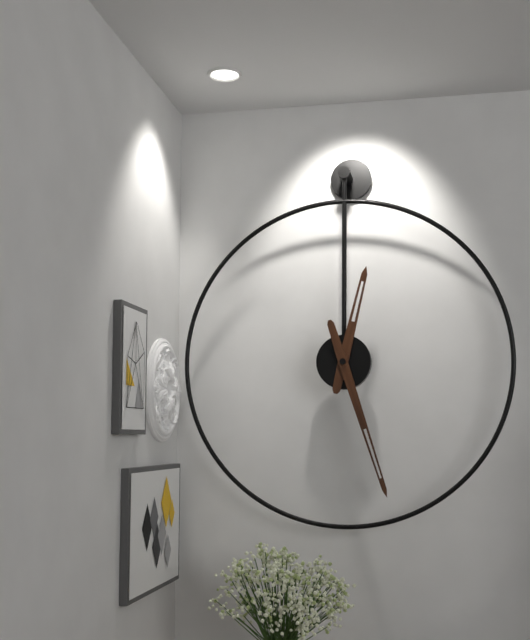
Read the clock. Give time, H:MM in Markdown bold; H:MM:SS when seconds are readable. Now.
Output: **12:27**
